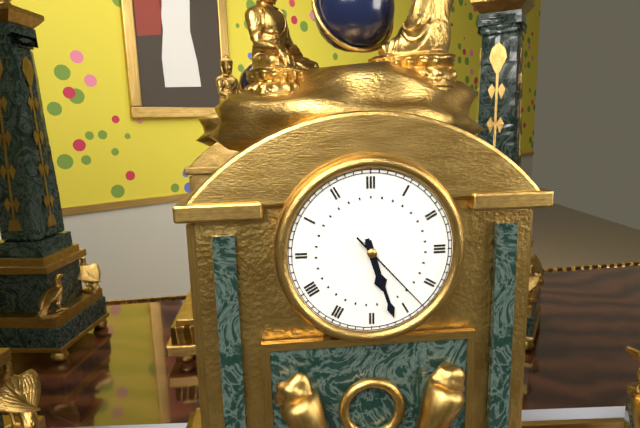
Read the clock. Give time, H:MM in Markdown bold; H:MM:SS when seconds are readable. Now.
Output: **5:27:23**
